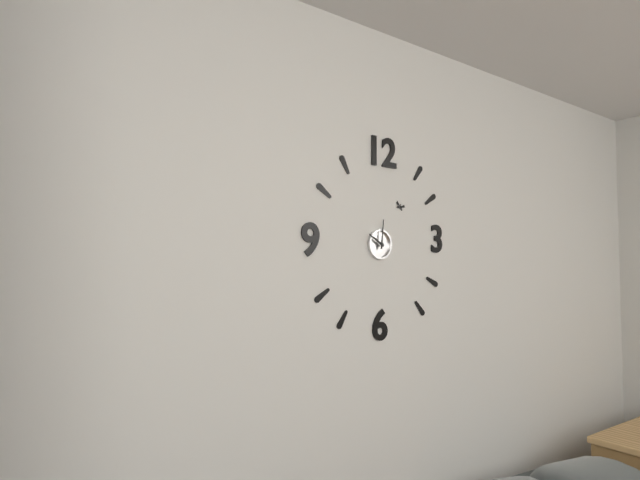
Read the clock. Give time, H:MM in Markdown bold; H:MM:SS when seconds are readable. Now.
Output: **10:01**
